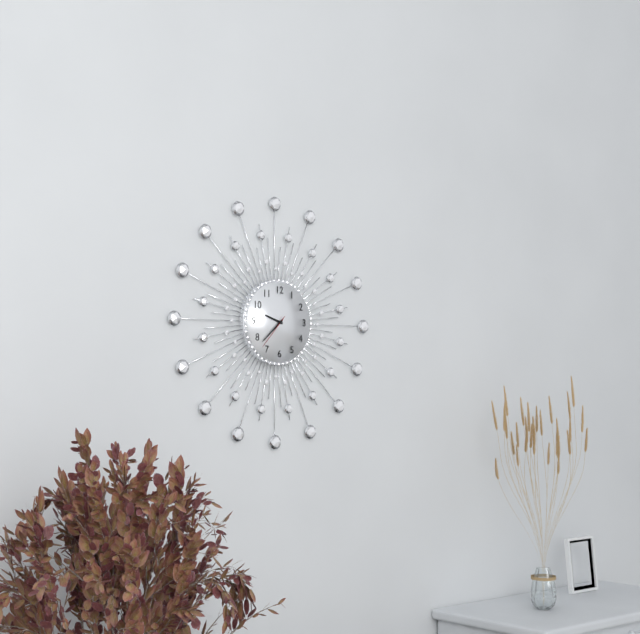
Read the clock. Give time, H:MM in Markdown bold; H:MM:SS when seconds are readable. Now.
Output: **9:38**
